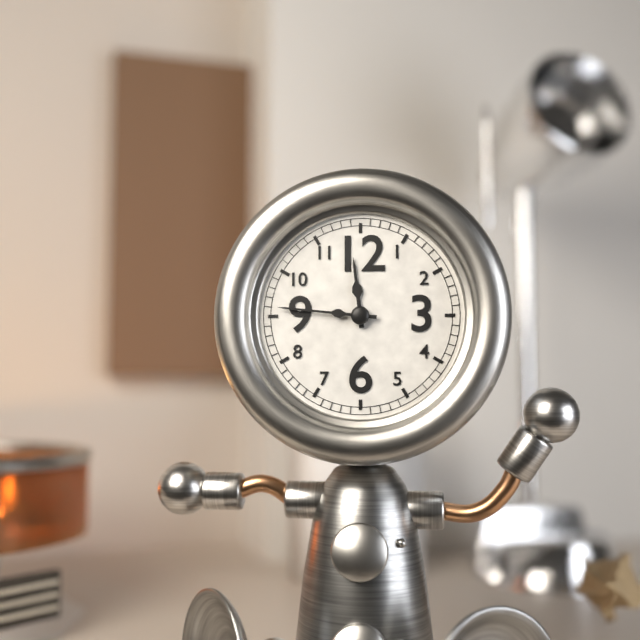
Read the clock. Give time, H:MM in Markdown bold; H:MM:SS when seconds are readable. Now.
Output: **11:46**
